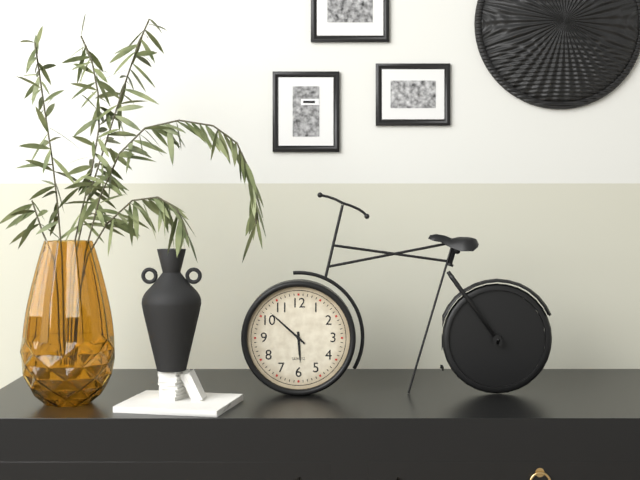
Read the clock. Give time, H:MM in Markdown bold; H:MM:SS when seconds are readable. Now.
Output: **5:52**
